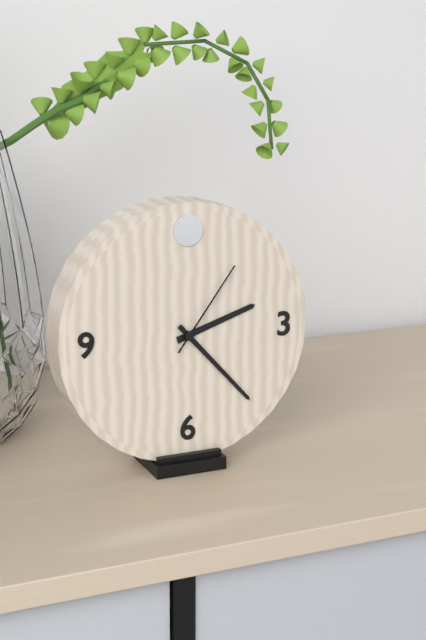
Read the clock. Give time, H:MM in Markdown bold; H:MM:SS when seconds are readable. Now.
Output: **2:23:06**
